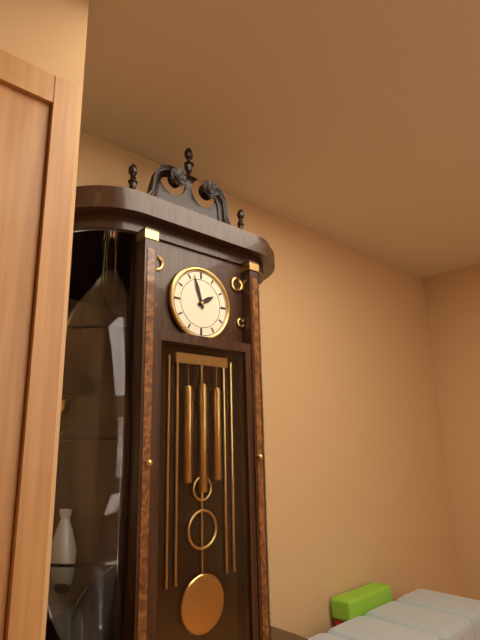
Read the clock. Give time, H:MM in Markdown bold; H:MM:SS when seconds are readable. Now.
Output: **1:57**
